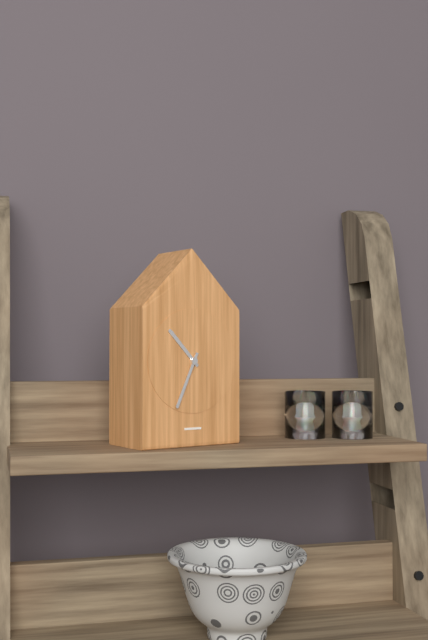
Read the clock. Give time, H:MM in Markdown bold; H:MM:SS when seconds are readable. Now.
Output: **10:34**
